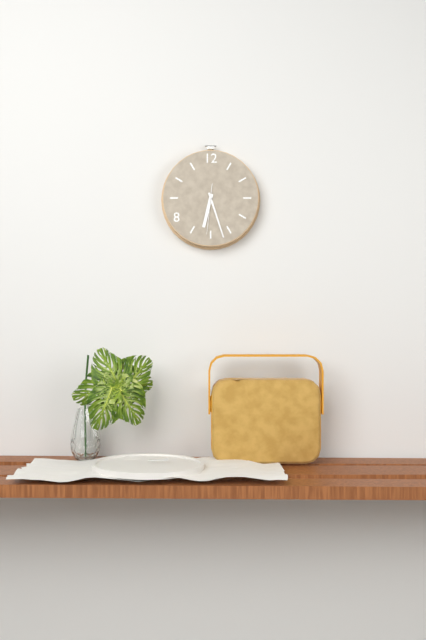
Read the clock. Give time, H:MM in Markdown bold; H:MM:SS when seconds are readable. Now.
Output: **6:27**
